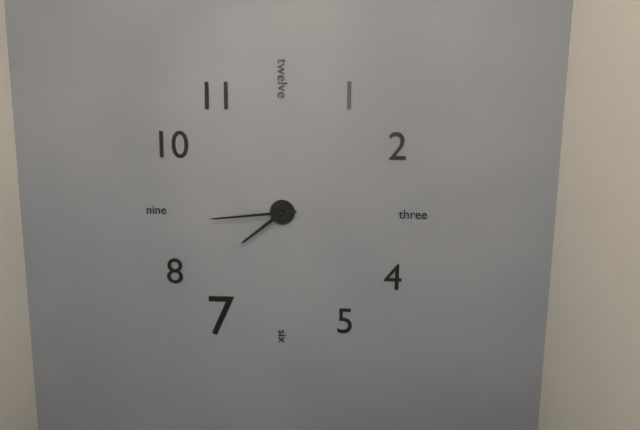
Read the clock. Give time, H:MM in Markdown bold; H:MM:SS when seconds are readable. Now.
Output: **7:44**
